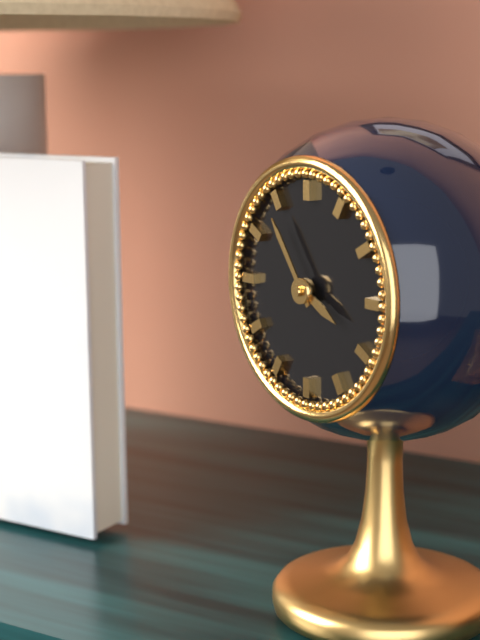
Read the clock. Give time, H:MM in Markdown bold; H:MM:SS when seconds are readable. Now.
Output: **3:54**
